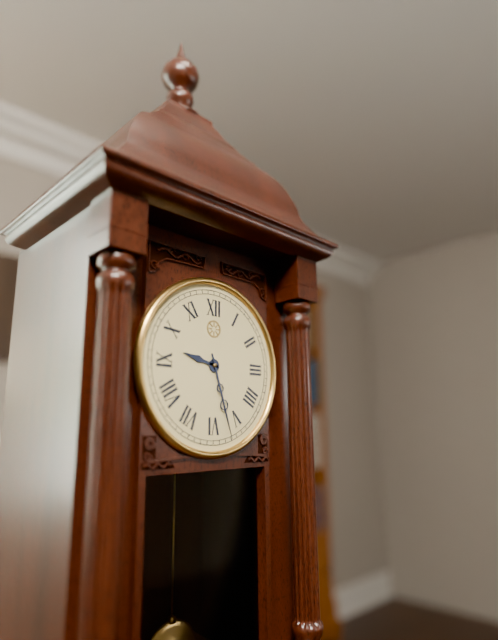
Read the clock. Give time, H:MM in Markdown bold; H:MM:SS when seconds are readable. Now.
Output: **9:27**
